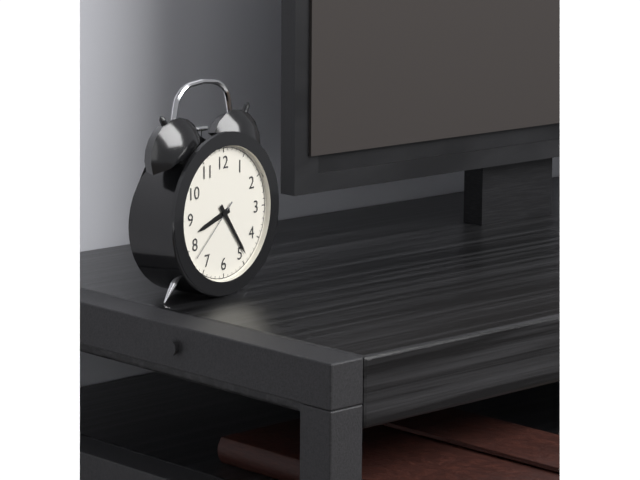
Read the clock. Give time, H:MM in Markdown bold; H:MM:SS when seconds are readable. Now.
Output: **8:24:38**
